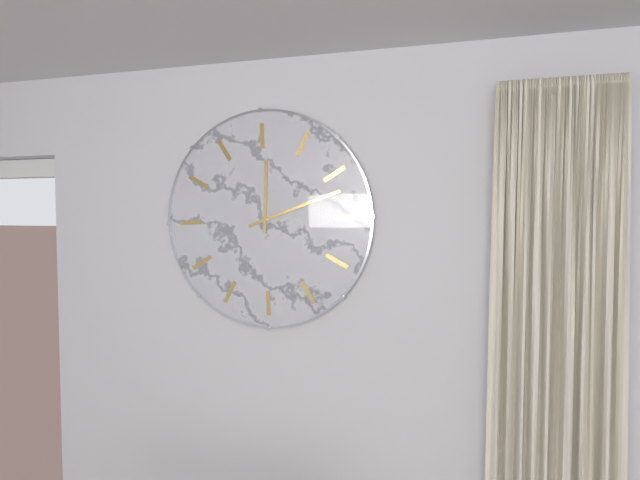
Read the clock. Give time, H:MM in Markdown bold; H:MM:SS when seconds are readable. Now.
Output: **11:07**
